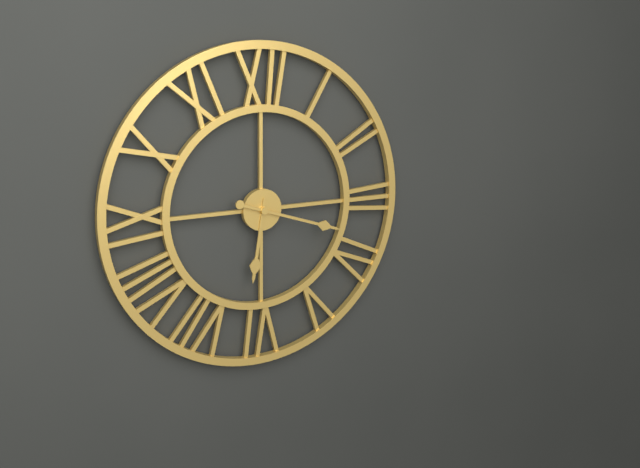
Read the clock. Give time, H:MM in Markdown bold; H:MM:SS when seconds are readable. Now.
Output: **6:18**
